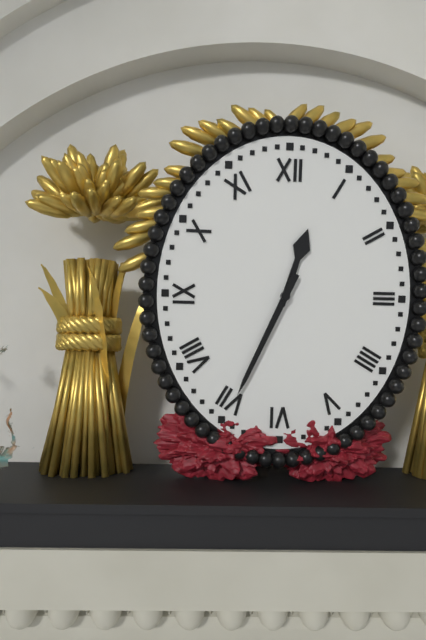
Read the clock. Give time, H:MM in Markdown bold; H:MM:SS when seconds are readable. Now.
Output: **12:34**
